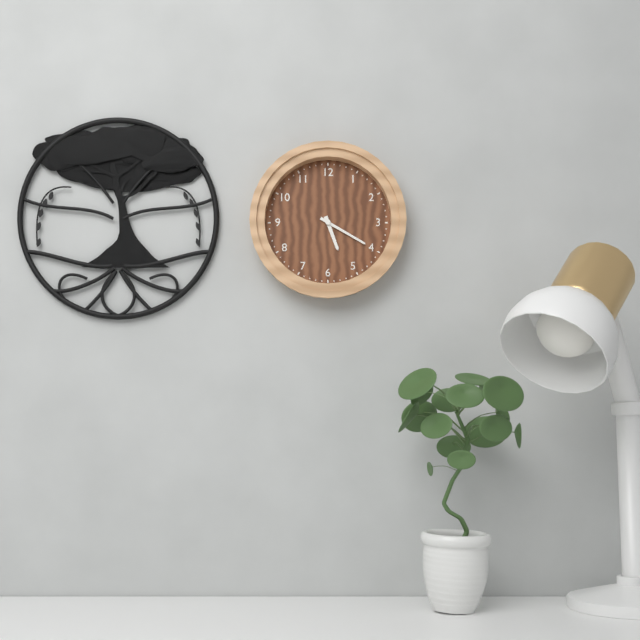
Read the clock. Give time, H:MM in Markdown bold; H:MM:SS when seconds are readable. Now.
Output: **5:20**
